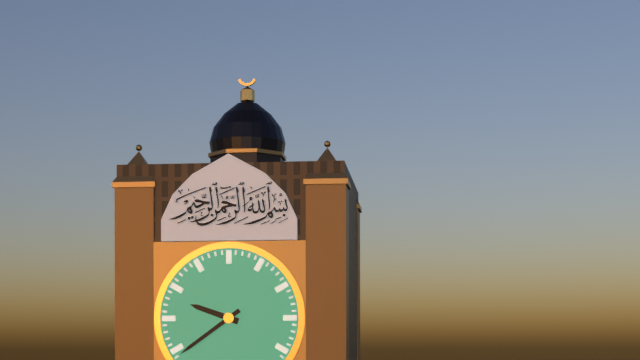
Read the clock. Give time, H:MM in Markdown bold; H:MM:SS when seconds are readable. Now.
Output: **9:39**
